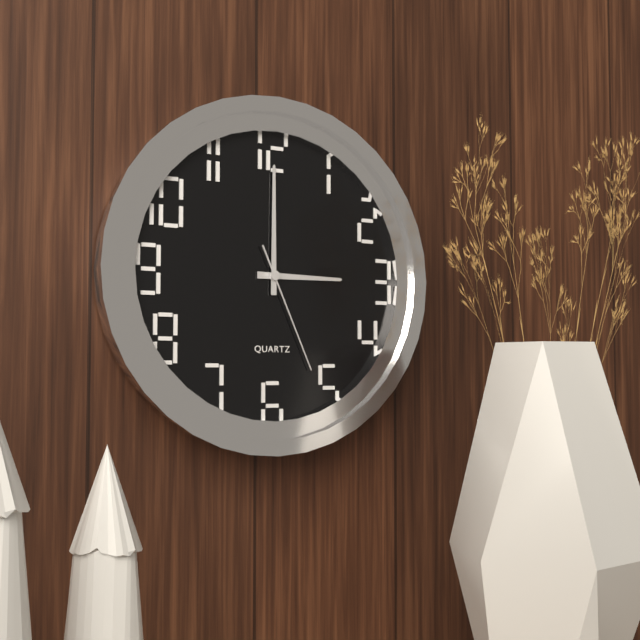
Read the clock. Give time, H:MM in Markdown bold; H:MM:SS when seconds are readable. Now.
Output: **3:00:26**
